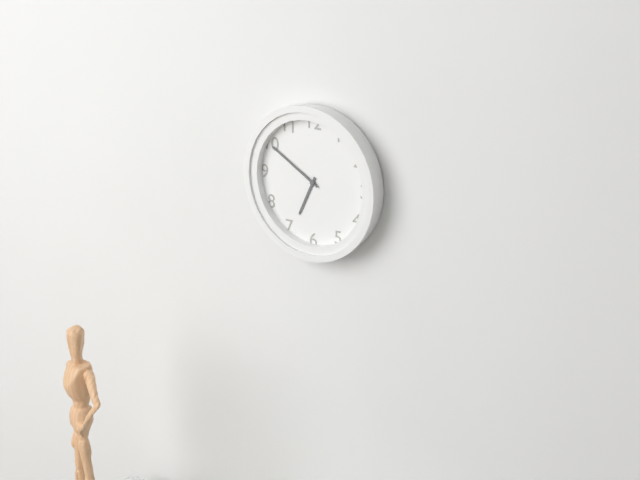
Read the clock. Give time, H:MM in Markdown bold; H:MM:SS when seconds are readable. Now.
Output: **6:50**
